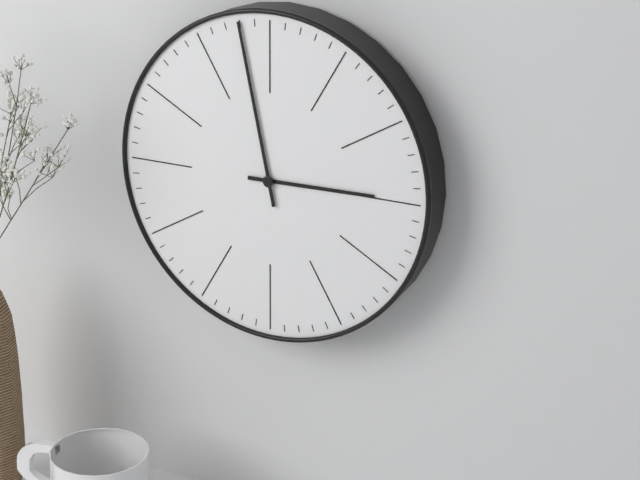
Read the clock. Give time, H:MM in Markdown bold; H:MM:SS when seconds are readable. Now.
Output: **2:58**
